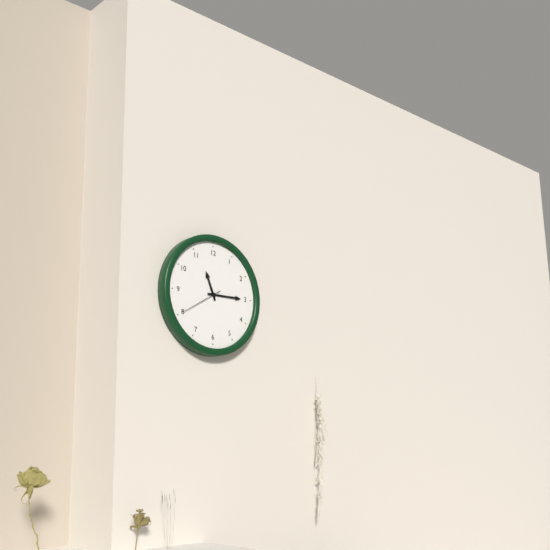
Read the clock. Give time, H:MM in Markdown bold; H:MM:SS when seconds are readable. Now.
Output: **11:15**
